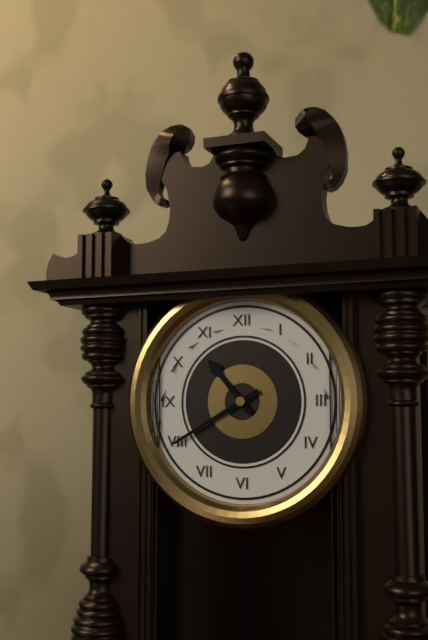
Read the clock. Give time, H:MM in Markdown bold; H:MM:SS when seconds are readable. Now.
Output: **10:40**
